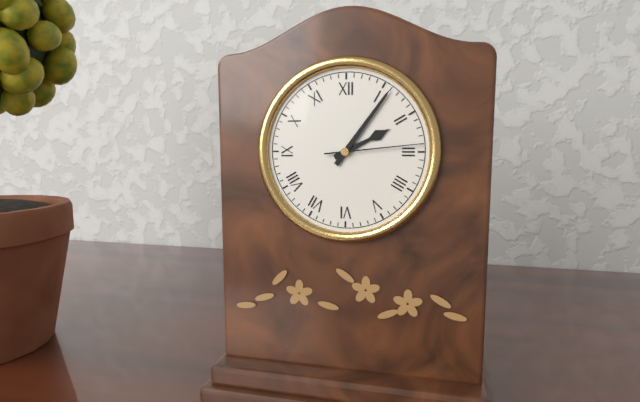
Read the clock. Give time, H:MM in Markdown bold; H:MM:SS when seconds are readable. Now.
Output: **2:06:14**
